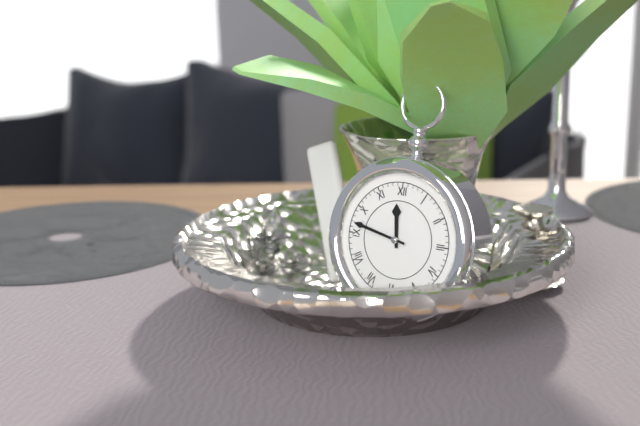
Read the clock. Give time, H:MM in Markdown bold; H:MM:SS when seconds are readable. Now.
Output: **11:47**
